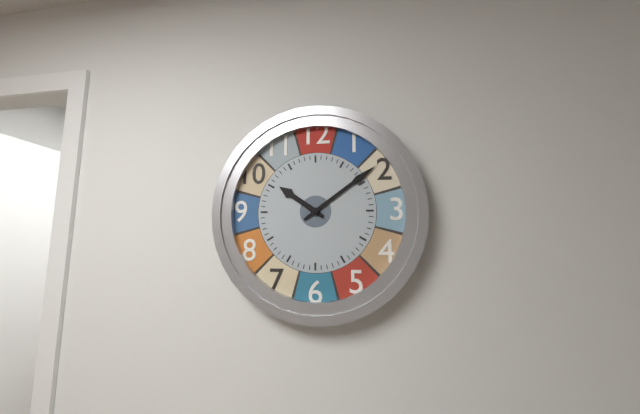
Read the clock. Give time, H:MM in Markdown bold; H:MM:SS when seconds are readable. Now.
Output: **10:09**
